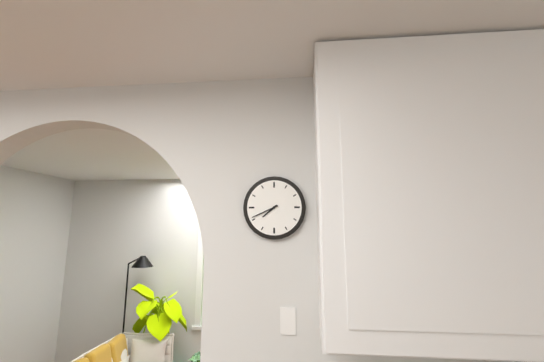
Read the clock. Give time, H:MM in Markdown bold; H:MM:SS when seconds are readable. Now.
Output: **7:41**
